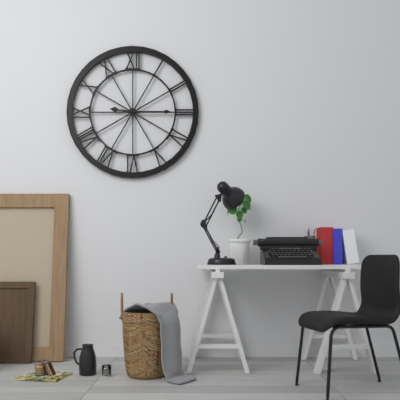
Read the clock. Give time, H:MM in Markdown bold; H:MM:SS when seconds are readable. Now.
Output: **9:15**
